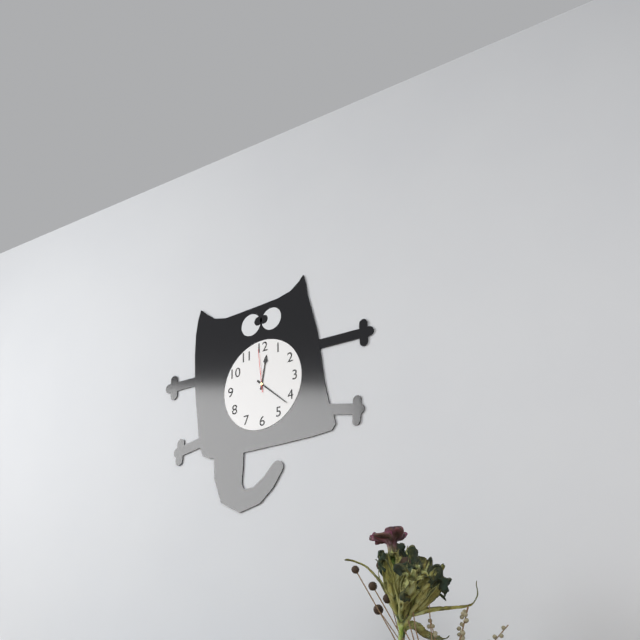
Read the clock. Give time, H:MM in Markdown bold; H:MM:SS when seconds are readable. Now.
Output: **12:22**
